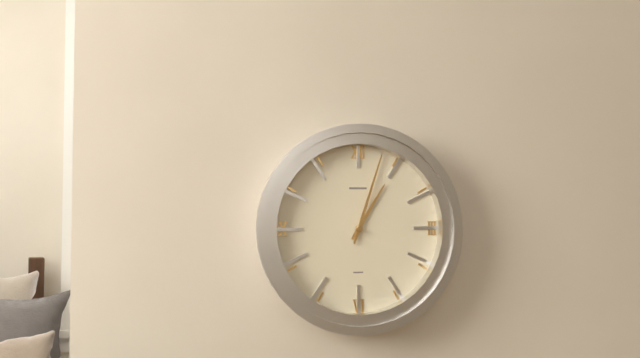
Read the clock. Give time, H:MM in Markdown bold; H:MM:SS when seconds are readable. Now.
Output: **1:03**
